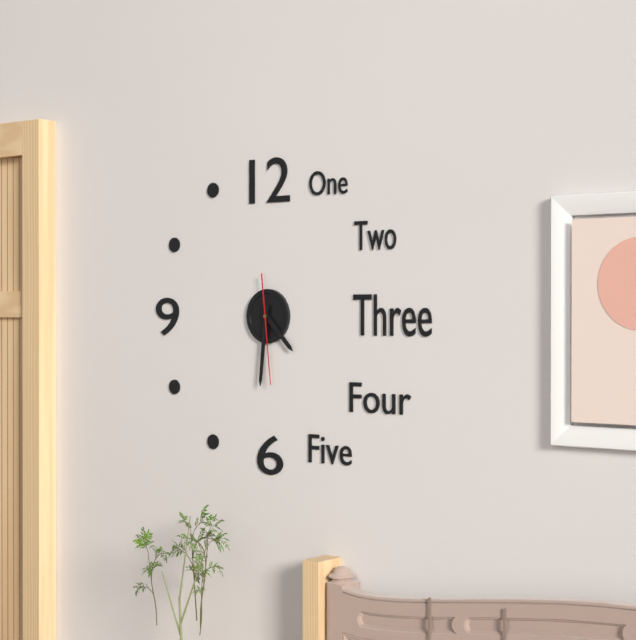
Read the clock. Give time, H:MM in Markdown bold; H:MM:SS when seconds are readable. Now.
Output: **4:31:29**
